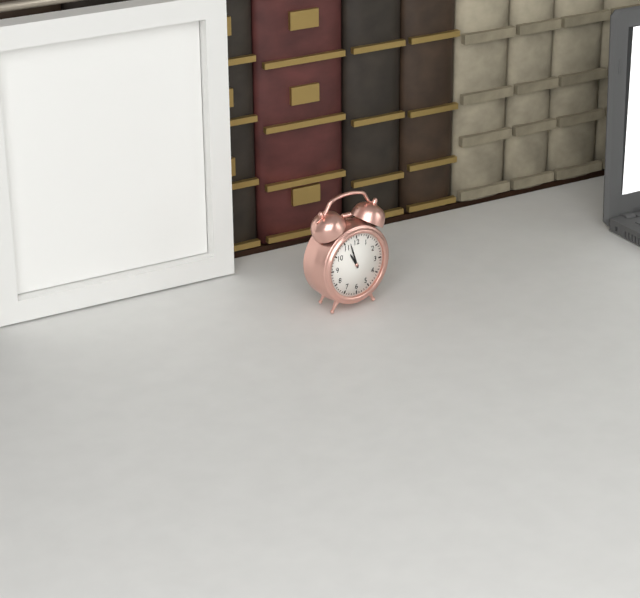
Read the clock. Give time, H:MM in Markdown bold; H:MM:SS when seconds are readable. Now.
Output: **10:57**
